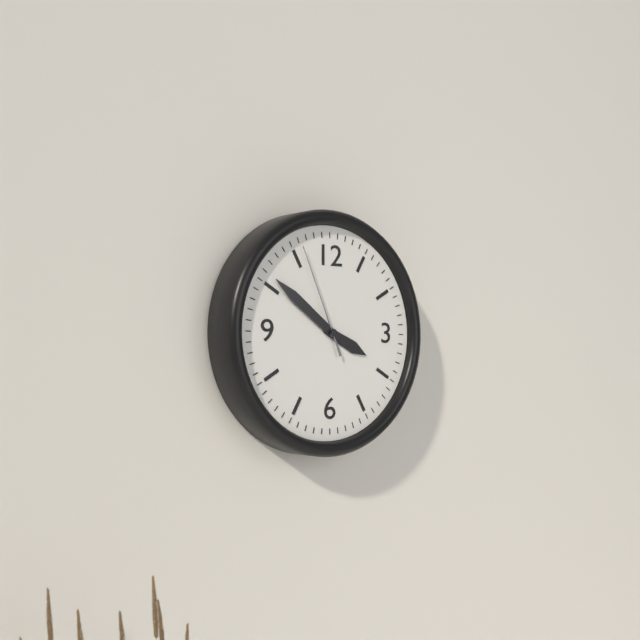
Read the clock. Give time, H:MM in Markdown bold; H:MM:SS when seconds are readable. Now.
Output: **3:51:56**
